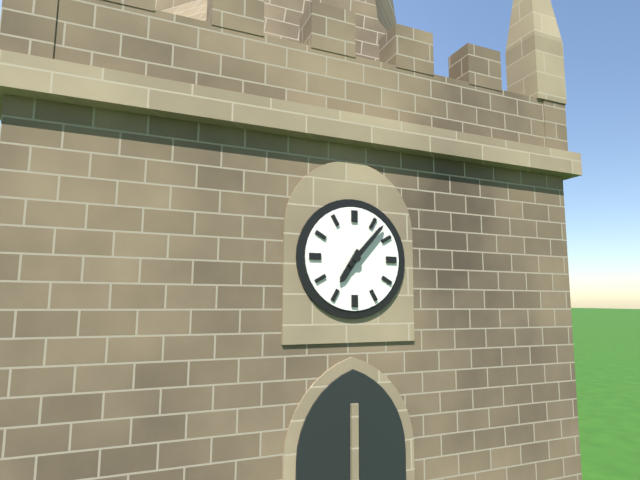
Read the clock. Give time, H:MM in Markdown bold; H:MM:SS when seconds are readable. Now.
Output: **7:07**
